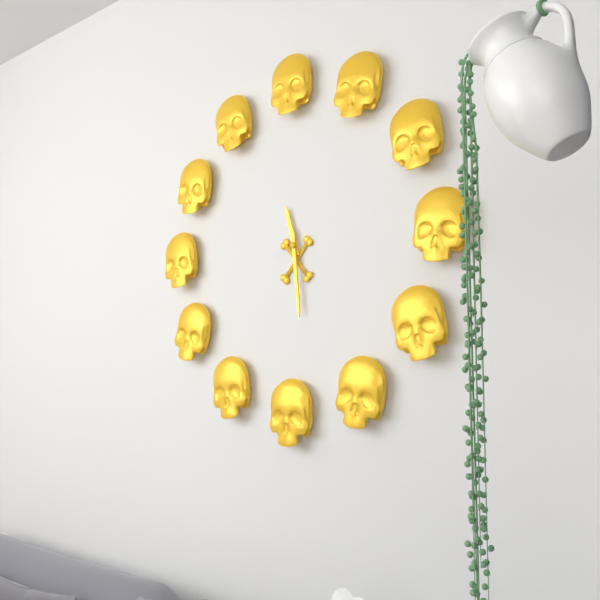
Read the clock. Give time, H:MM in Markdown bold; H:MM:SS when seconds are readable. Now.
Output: **11:29**
